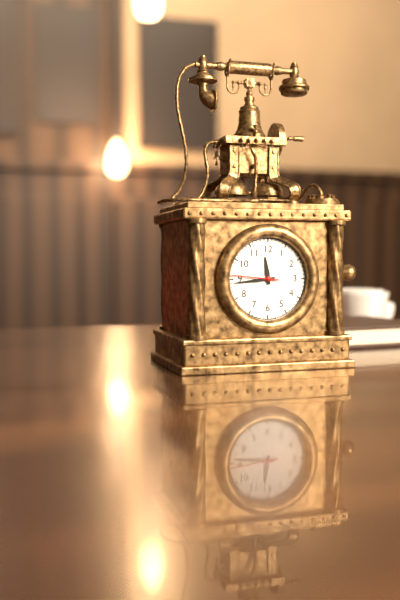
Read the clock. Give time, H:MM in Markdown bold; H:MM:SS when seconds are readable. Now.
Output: **11:44**
